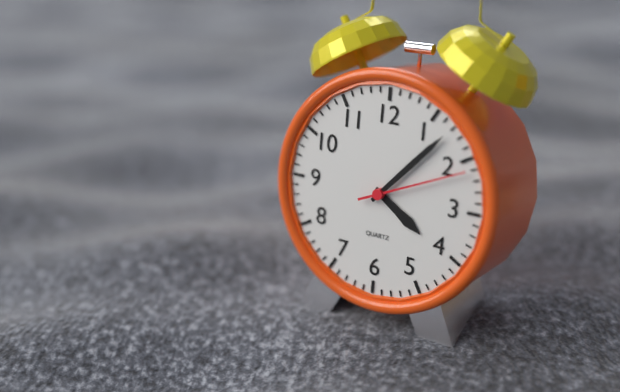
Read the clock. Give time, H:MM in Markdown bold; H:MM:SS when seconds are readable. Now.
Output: **4:07:11**
